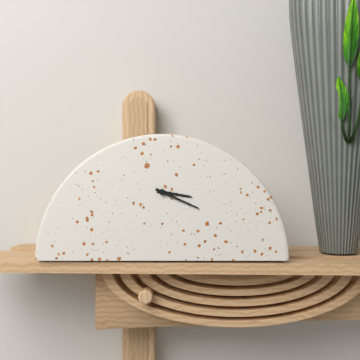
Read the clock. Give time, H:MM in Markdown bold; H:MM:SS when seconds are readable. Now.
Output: **3:19**
